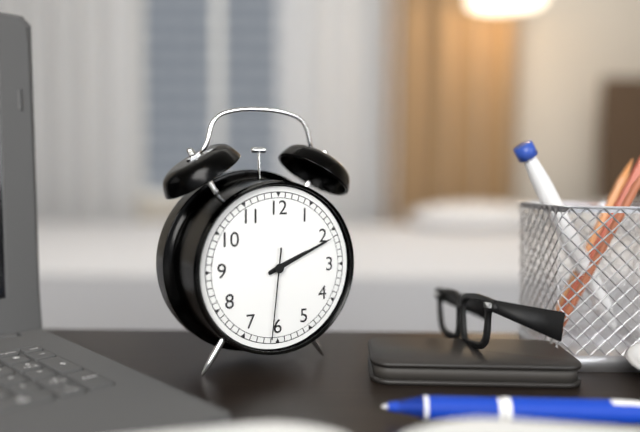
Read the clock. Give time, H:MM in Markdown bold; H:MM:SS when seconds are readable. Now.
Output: **2:11:31**
